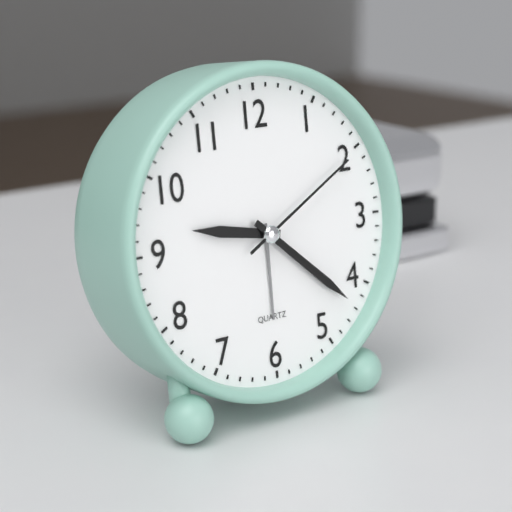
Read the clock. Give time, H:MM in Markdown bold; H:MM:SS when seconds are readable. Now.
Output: **9:22:10**
